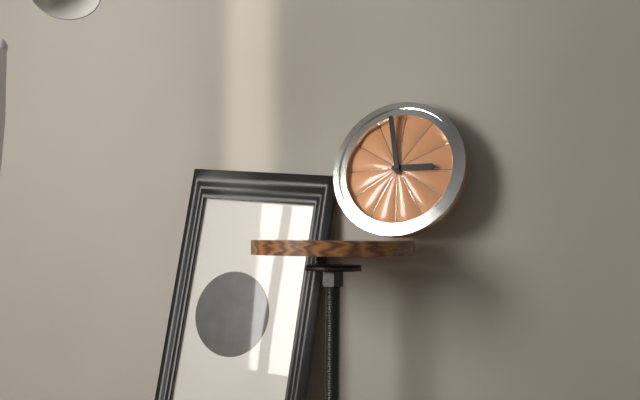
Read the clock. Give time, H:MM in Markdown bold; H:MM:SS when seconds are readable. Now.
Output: **2:58**
